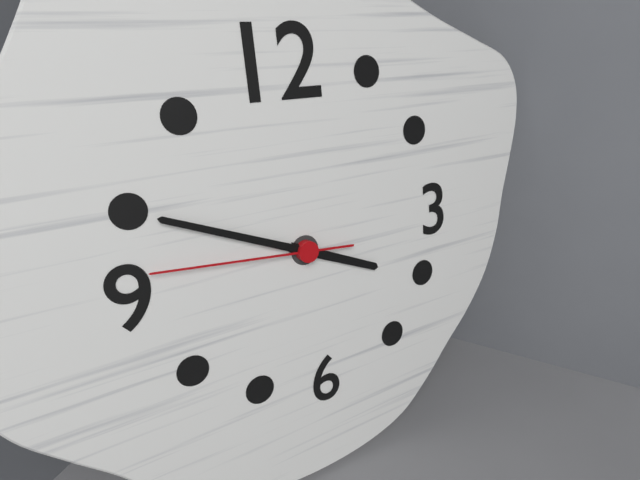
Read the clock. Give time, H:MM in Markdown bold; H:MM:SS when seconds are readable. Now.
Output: **3:49:46**
